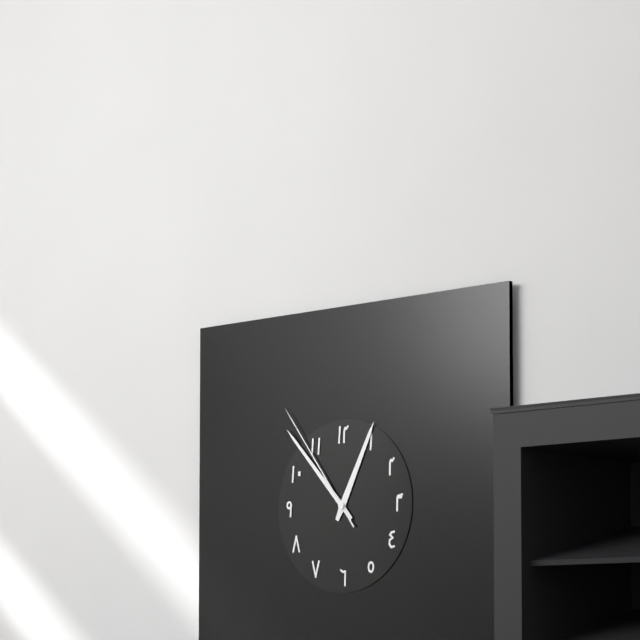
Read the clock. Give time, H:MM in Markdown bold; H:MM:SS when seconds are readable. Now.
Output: **12:53:54**
